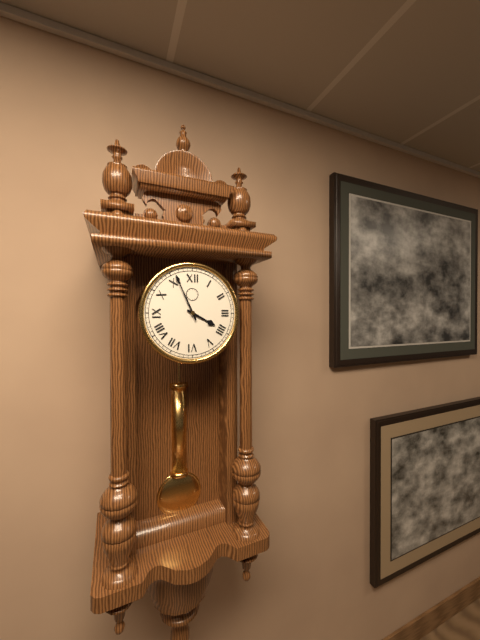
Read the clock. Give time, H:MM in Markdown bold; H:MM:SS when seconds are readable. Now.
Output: **3:56**
